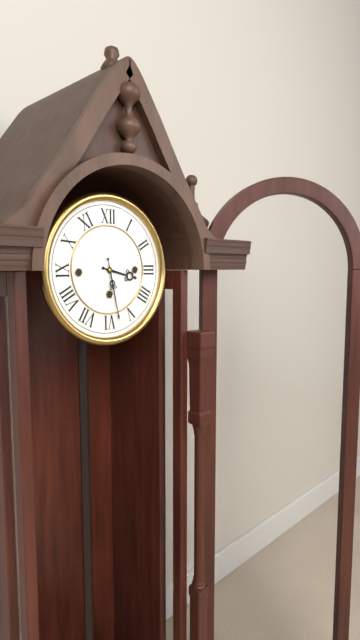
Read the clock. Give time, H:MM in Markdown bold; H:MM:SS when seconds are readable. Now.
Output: **3:28**
